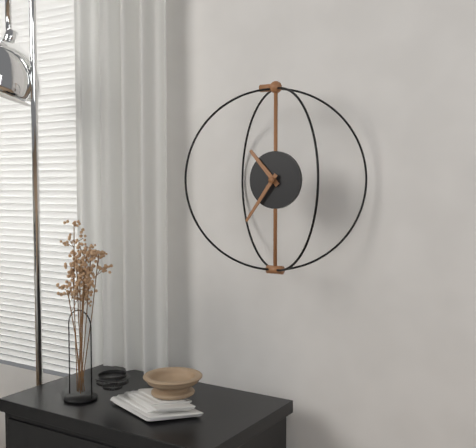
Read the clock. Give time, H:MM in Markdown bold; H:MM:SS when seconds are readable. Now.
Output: **10:36**
